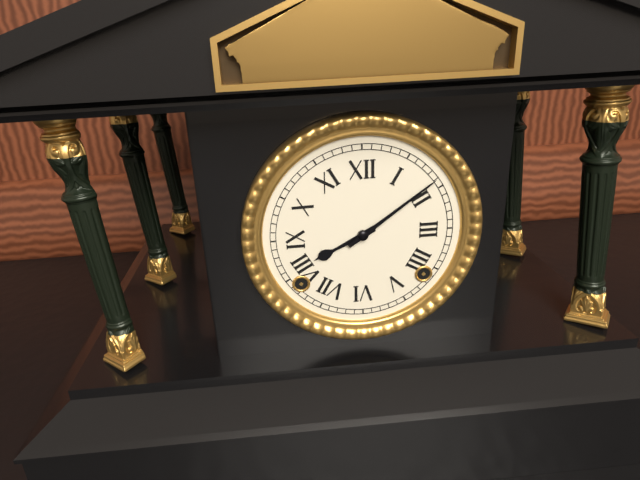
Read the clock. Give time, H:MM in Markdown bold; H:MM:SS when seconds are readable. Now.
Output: **8:09**
